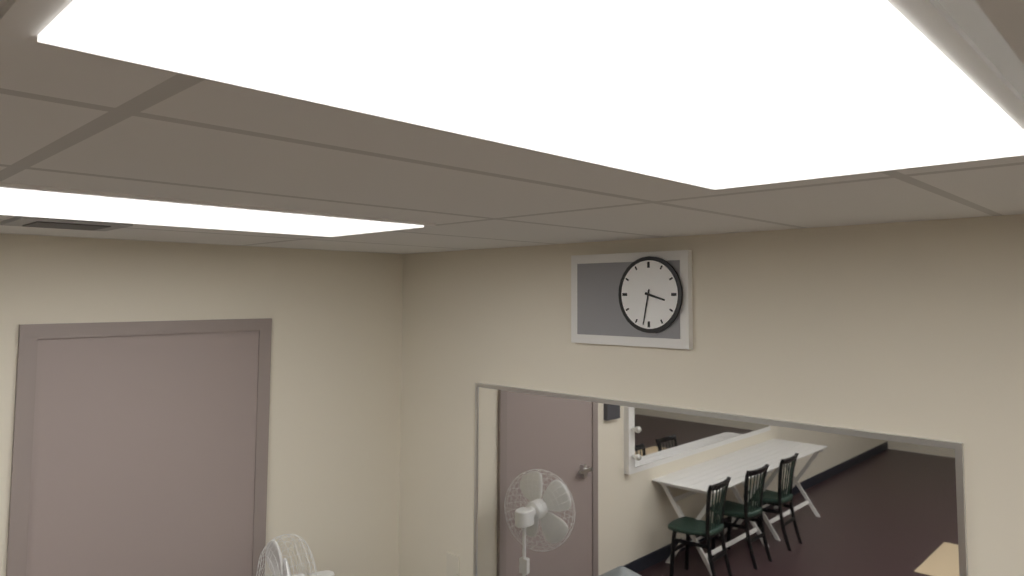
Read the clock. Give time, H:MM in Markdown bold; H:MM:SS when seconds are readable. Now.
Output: **3:32**
